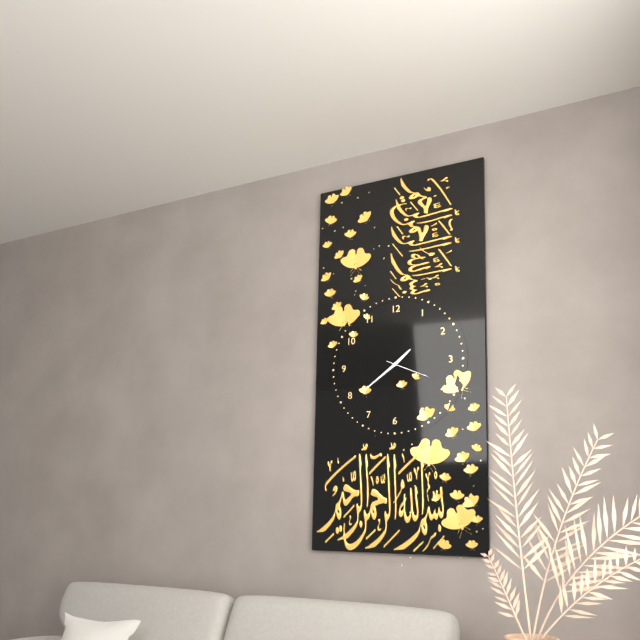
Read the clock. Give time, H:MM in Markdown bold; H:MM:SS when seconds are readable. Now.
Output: **1:39**
